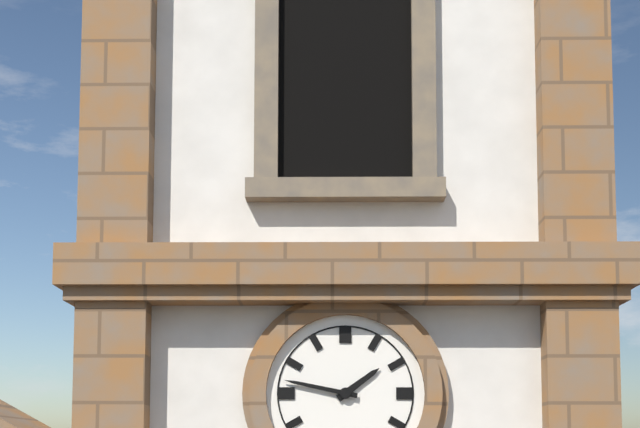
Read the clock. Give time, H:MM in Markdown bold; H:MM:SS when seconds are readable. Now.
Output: **1:47**
